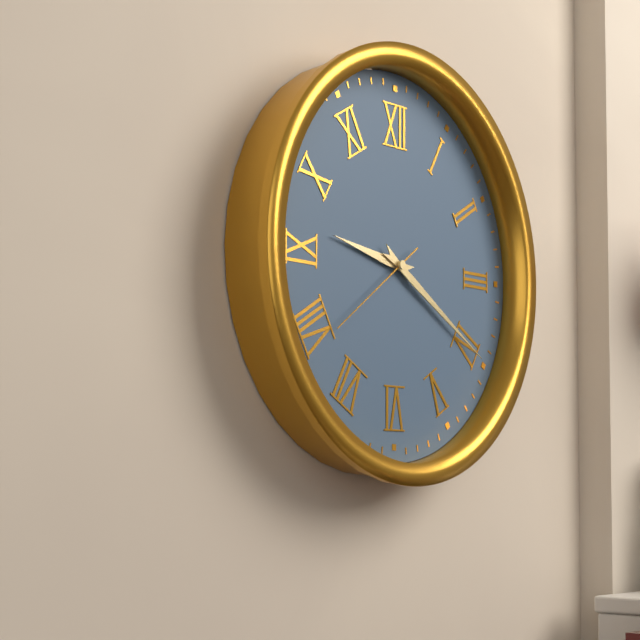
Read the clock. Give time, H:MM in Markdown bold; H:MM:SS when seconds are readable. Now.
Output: **9:20:39**
